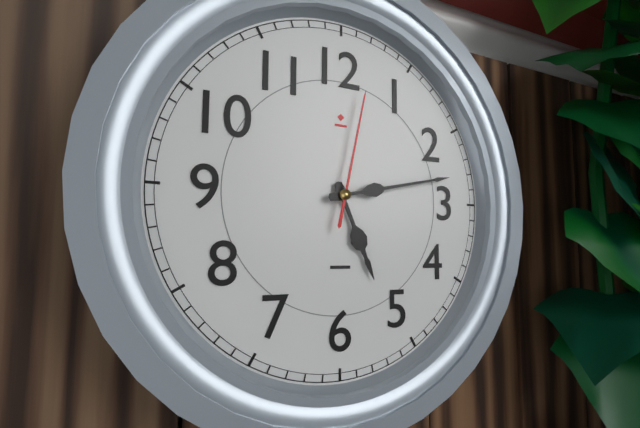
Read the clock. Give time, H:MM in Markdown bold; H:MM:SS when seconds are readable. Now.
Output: **5:13:02**
